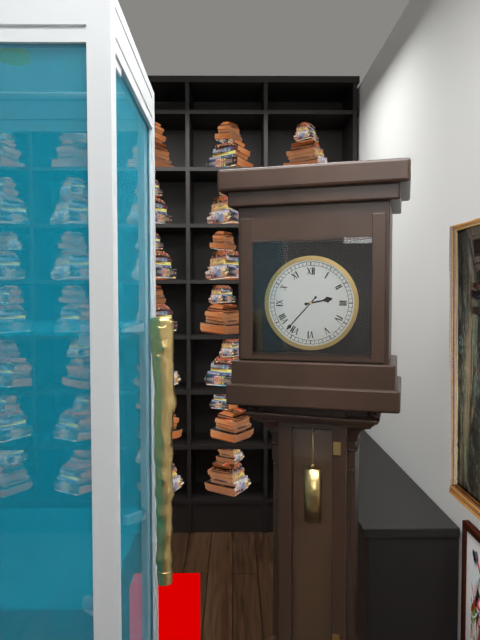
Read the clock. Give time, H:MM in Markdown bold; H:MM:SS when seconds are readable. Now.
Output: **2:37**
